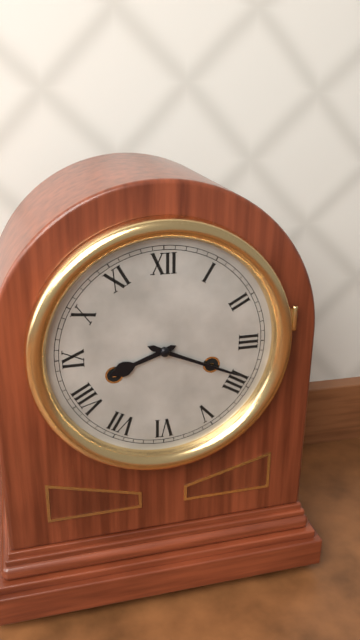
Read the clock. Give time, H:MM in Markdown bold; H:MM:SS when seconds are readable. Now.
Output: **8:19**
